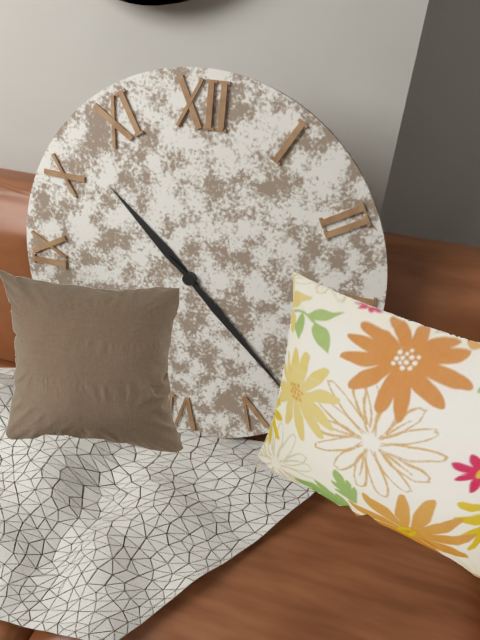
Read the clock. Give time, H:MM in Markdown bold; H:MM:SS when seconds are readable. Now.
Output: **10:22**
